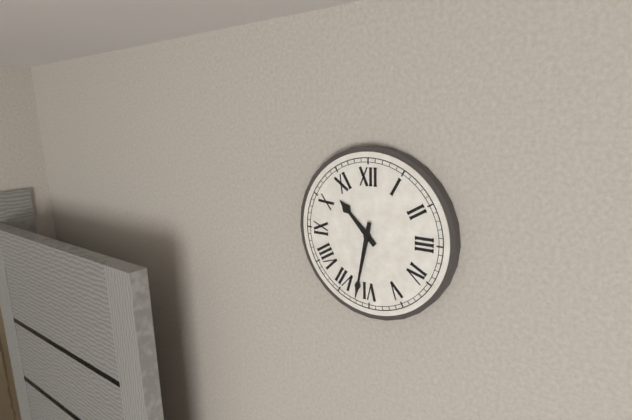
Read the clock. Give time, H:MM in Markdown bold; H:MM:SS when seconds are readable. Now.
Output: **10:32**
